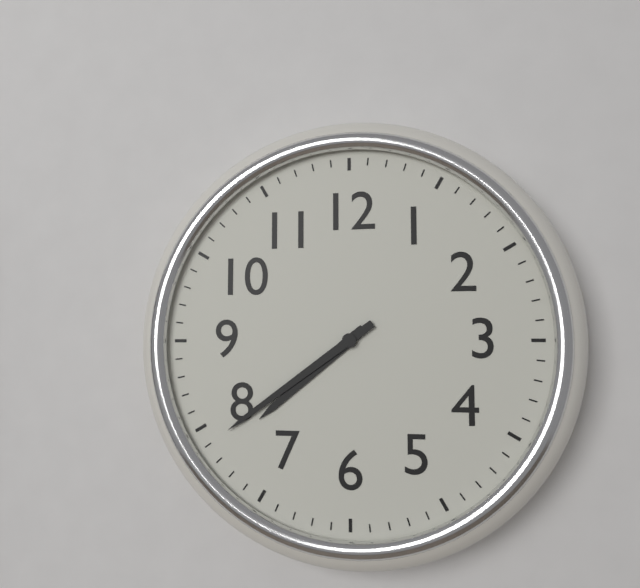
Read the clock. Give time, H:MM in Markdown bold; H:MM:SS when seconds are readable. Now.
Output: **7:39**
